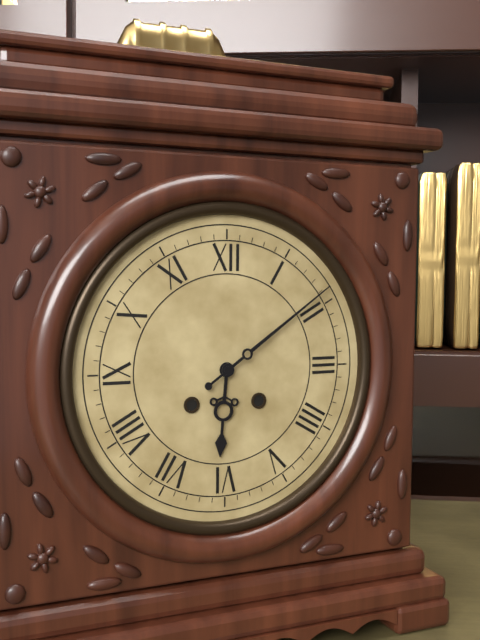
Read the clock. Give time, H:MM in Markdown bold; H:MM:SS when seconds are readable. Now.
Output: **6:09**
